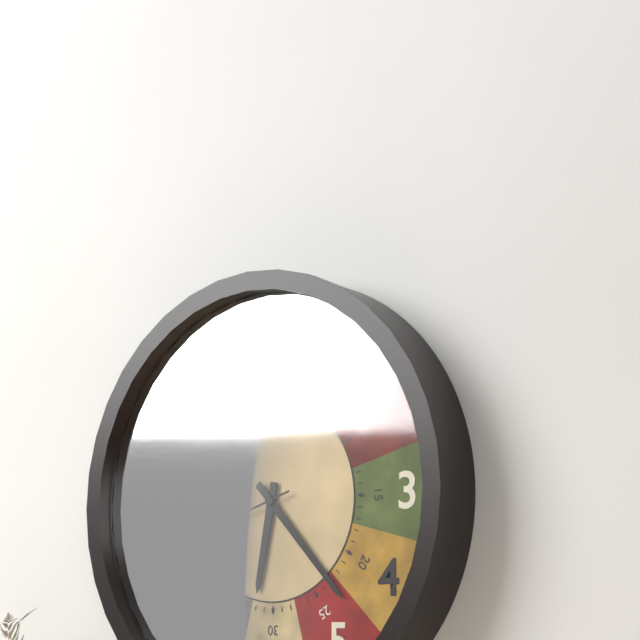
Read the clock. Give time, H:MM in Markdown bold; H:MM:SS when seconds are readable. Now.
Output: **6:23:42**
